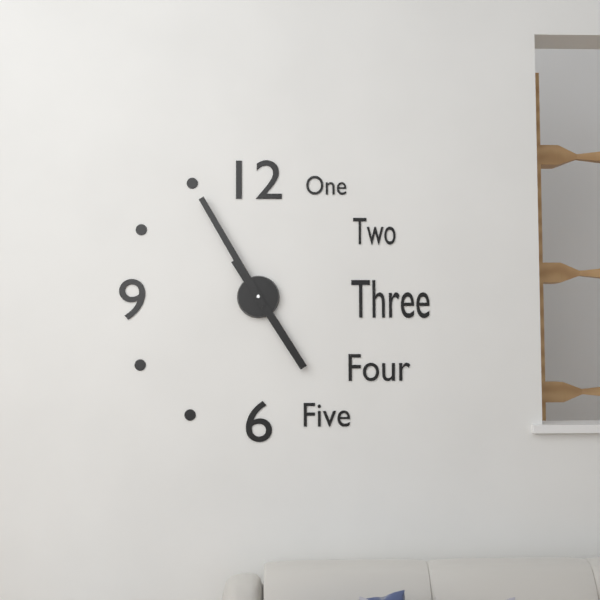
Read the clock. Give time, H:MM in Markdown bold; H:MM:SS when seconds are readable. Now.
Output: **4:55**
